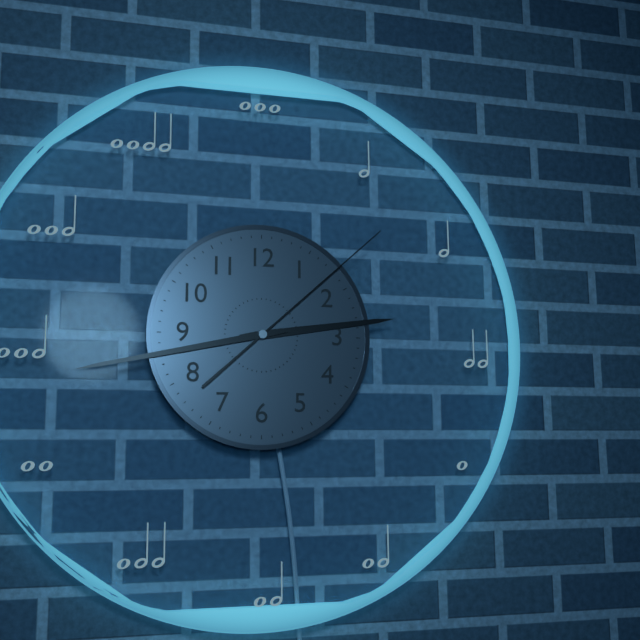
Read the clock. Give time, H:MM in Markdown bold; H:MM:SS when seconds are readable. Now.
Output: **2:43:08**
